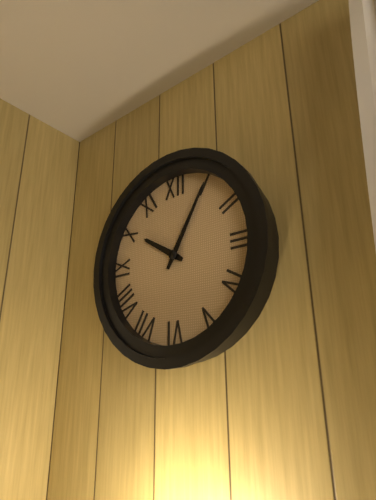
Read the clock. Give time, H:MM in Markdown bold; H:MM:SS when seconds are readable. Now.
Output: **10:05**
